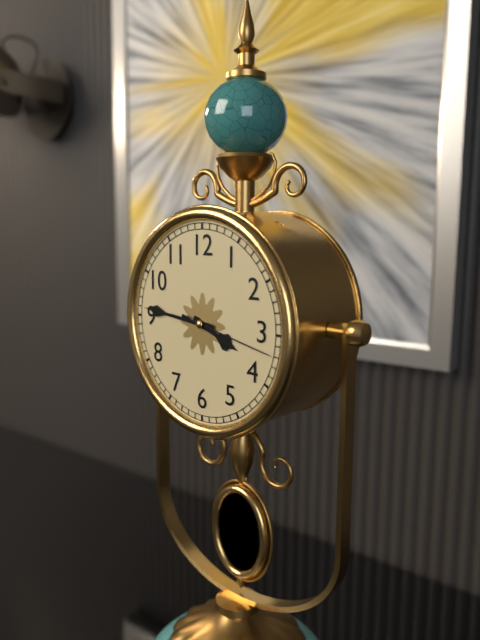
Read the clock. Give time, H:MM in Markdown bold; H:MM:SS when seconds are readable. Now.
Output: **3:46:17**
